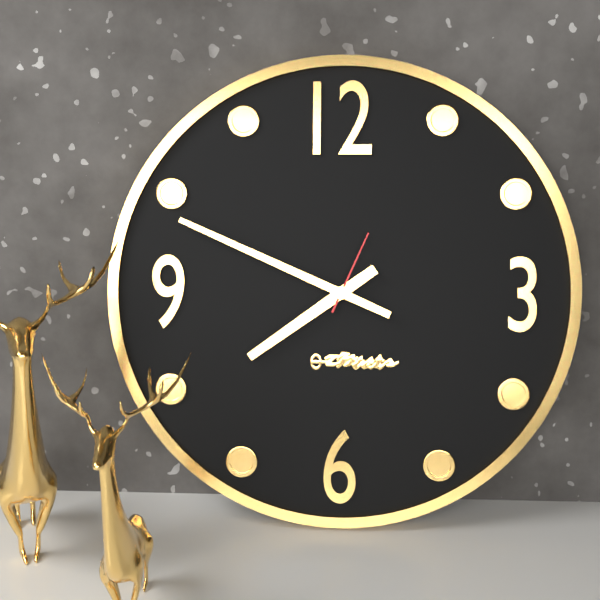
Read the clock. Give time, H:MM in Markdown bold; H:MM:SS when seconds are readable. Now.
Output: **7:49:04**
